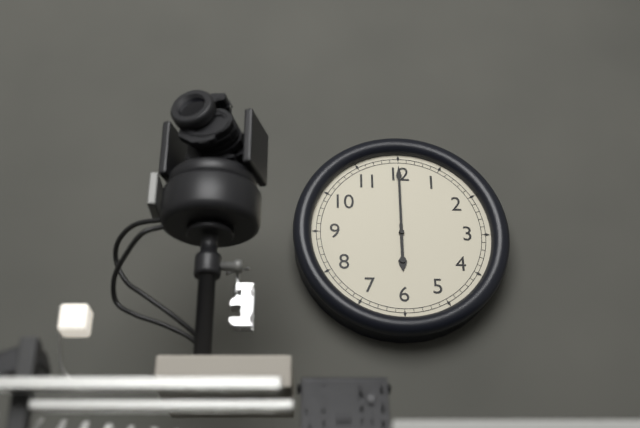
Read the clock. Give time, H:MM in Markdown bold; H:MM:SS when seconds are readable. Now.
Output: **6:00**
